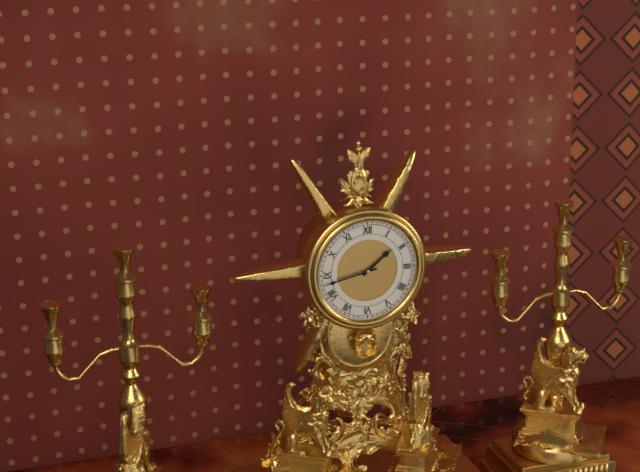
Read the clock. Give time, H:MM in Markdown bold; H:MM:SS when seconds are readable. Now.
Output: **1:43**
